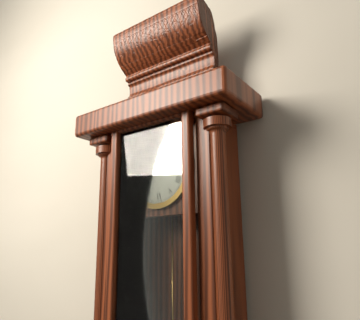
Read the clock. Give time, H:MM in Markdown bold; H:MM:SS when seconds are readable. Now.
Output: **1:02**
